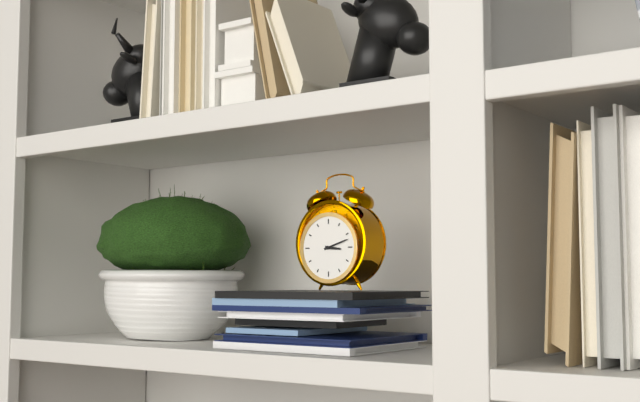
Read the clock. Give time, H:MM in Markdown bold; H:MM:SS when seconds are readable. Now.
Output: **3:12**
